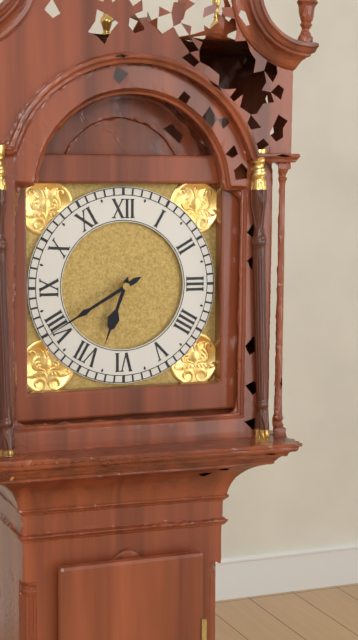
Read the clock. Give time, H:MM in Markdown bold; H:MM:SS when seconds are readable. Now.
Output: **6:40**
